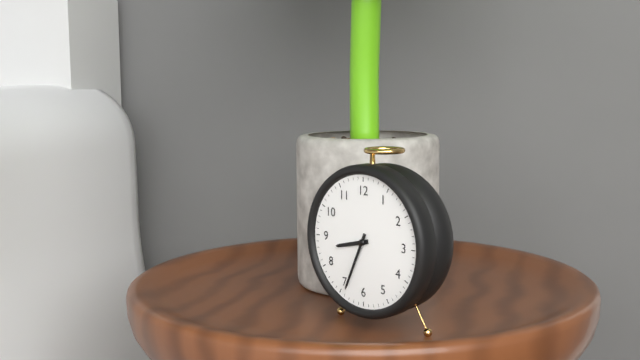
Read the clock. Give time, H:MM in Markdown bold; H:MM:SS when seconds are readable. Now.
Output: **8:34**
